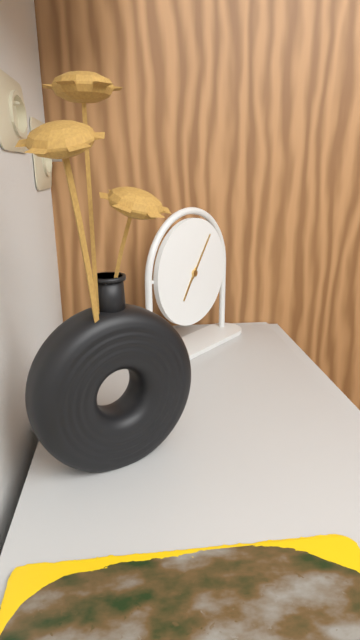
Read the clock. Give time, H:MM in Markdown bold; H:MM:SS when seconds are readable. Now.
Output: **7:06**
